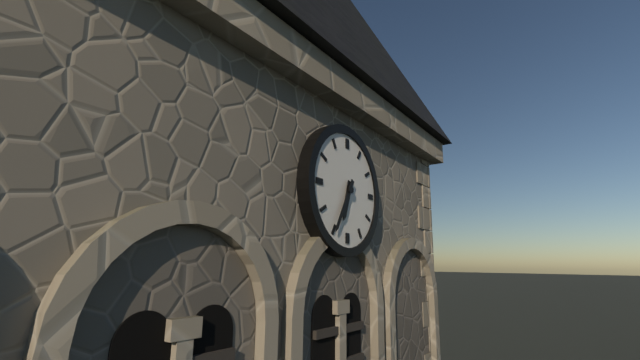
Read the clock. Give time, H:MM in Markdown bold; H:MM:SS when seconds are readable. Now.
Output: **6:35**
